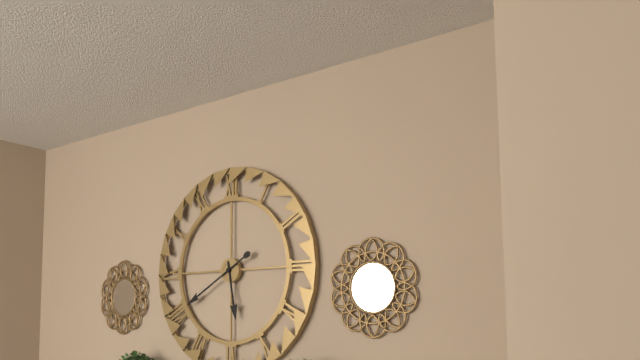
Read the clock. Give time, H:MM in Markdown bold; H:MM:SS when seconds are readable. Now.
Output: **5:40**
